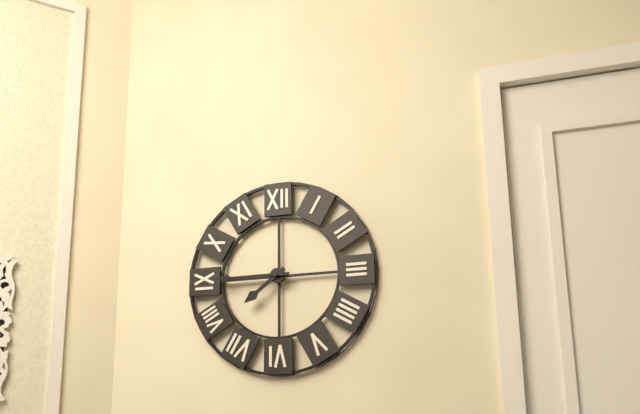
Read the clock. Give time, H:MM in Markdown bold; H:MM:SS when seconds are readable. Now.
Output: **7:45**
